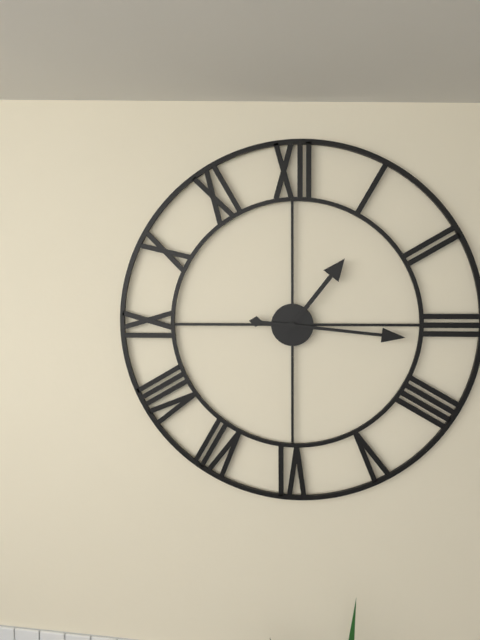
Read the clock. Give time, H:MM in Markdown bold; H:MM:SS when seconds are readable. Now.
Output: **1:16**
